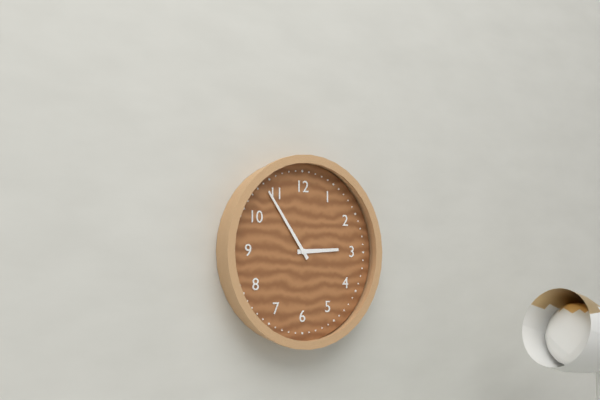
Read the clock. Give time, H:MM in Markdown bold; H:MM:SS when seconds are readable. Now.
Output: **2:54**
